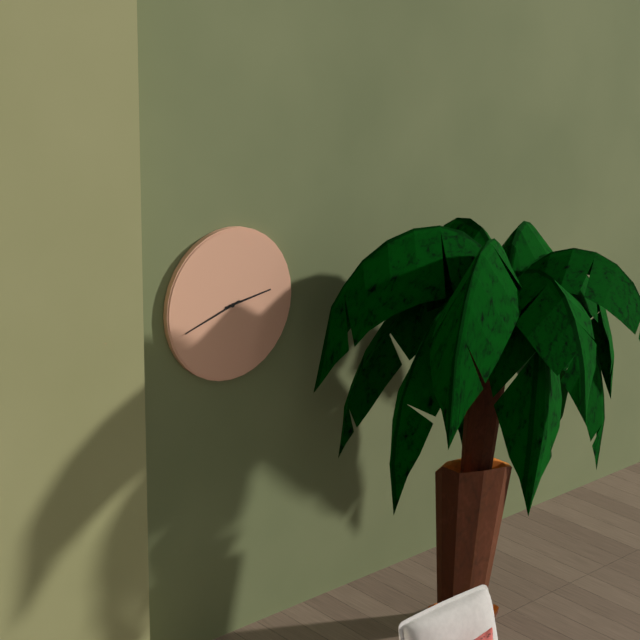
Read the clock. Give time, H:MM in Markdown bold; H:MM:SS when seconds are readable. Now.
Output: **2:42**
